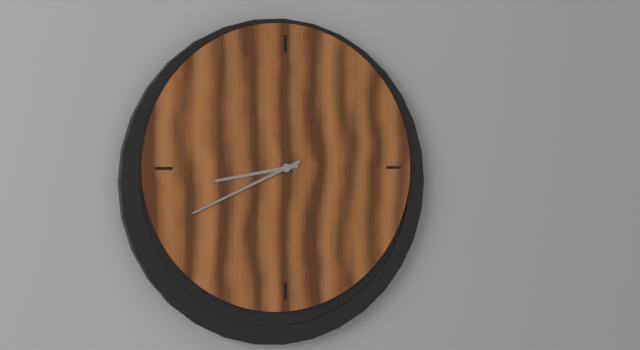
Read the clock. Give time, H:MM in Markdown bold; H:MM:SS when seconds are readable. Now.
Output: **8:41**
